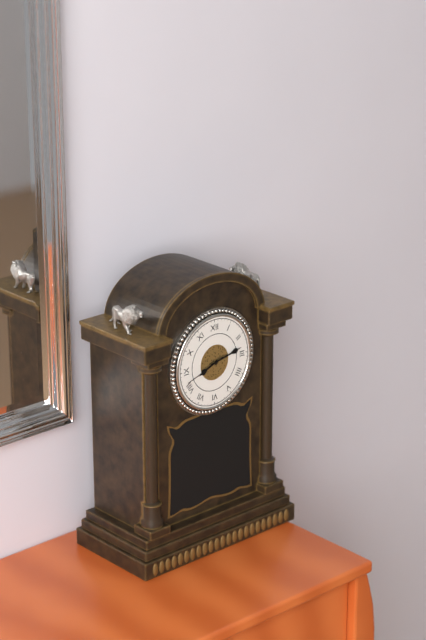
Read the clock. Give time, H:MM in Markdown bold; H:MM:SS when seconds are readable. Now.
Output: **8:13**
